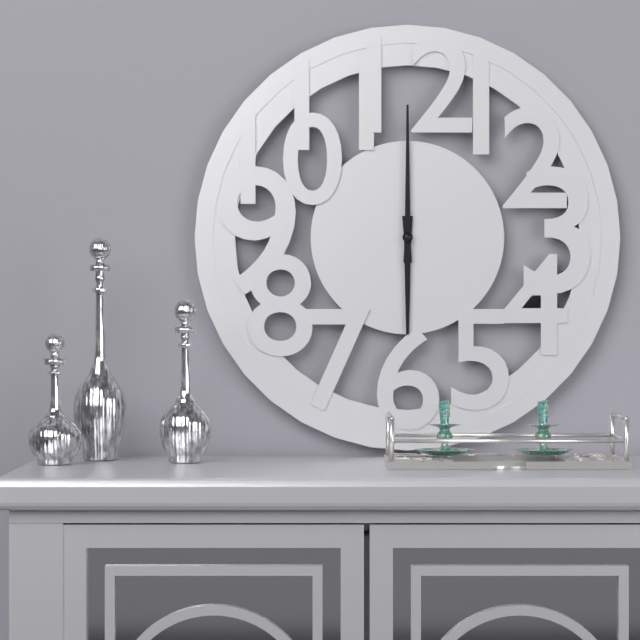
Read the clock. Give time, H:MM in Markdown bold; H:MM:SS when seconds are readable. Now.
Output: **6:00**
